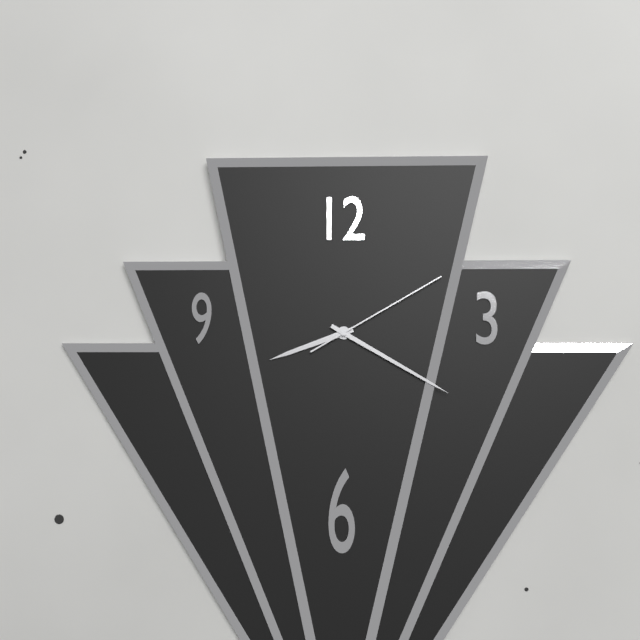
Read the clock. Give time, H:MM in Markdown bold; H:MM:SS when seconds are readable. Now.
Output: **8:20:10**
